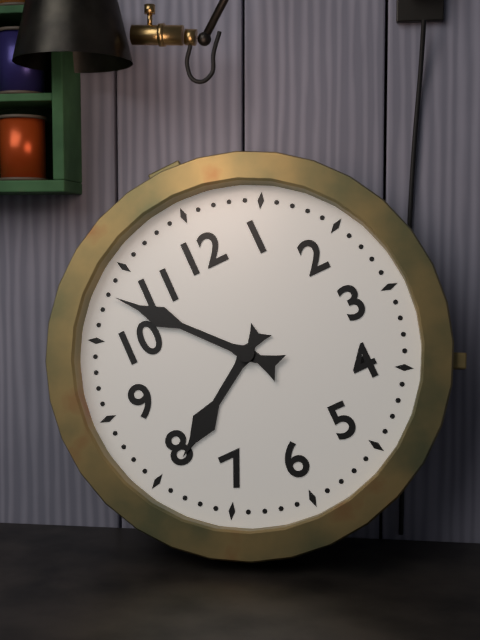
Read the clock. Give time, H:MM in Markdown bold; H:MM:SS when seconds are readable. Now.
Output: **7:53**
